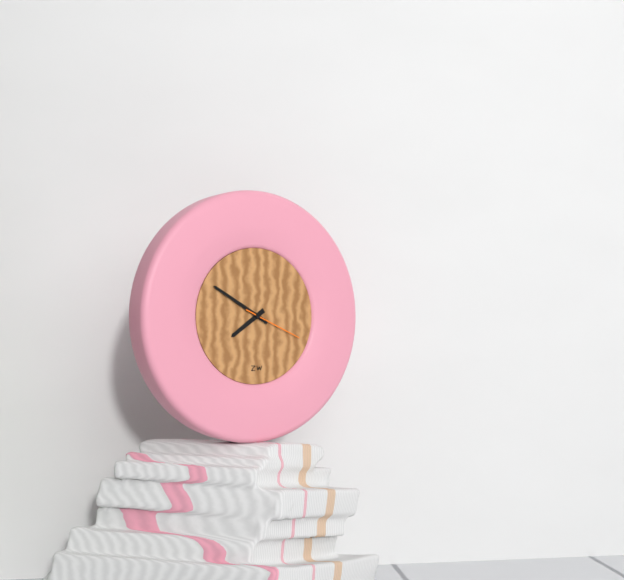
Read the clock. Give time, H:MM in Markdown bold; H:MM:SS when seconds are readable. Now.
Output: **7:50:19**
